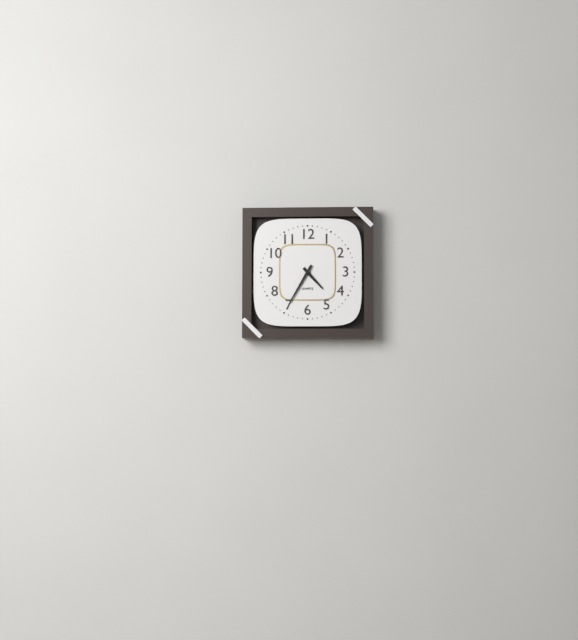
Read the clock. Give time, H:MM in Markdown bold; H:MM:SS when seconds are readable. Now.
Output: **4:35**
